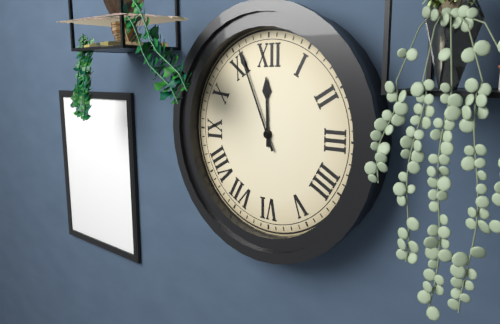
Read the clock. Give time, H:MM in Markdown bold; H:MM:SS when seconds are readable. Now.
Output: **11:56**
